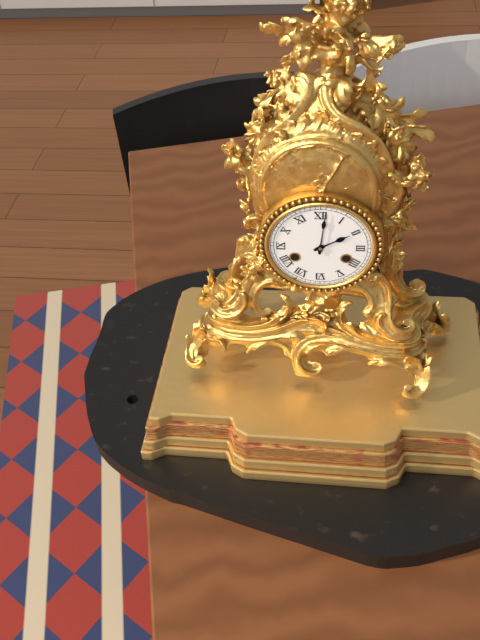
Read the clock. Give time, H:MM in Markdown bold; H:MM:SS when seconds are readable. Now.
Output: **2:01**
